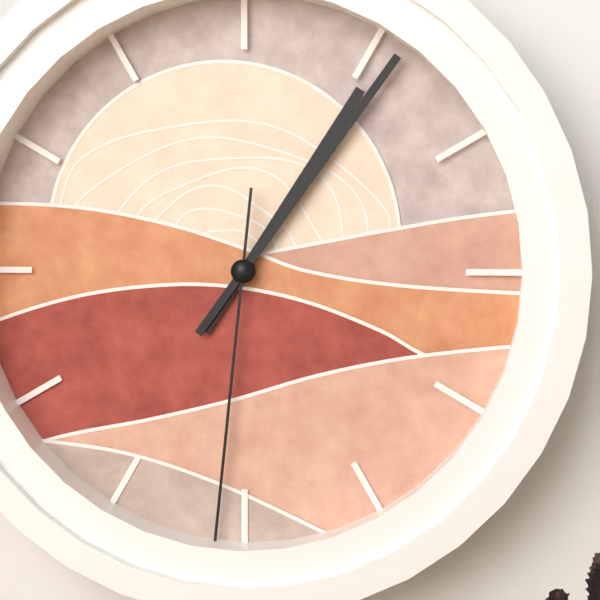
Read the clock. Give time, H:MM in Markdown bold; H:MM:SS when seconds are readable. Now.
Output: **1:06:31**
